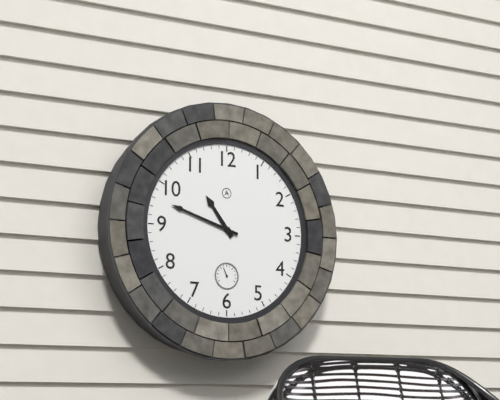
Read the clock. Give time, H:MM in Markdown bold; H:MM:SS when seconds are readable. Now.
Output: **10:48**
